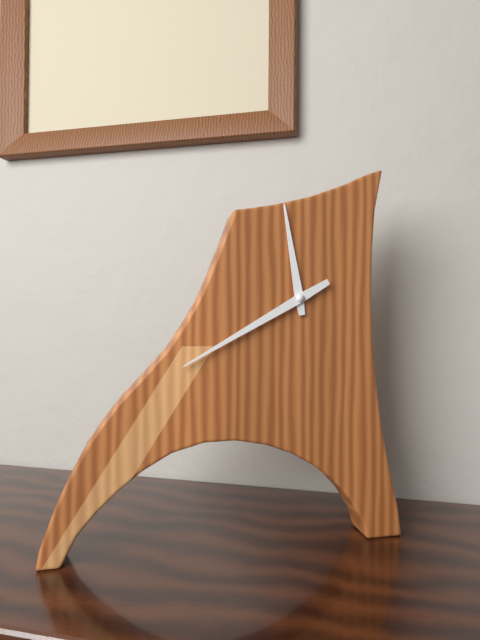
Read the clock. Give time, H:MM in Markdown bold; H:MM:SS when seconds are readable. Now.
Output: **11:40**
